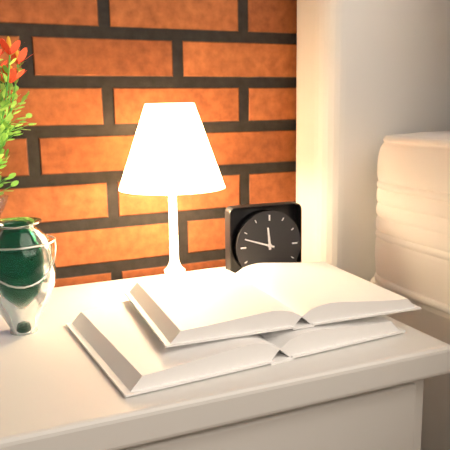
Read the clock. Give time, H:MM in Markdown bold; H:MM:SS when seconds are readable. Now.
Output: **11:48**
